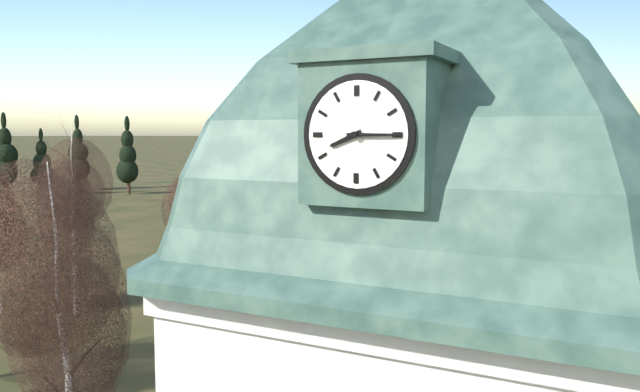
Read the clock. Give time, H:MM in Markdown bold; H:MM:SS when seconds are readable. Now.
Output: **8:15**
